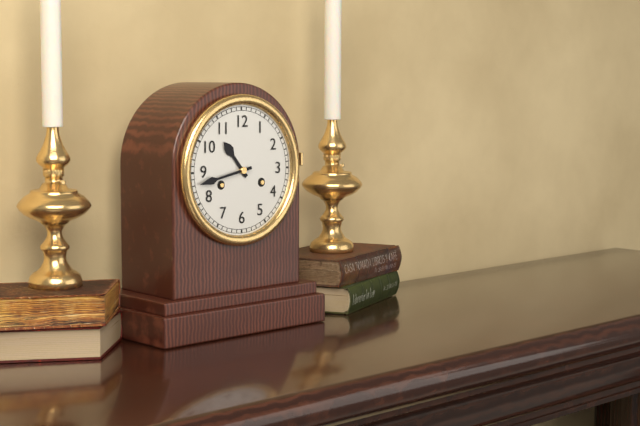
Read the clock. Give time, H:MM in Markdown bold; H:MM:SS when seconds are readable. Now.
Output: **10:43**
